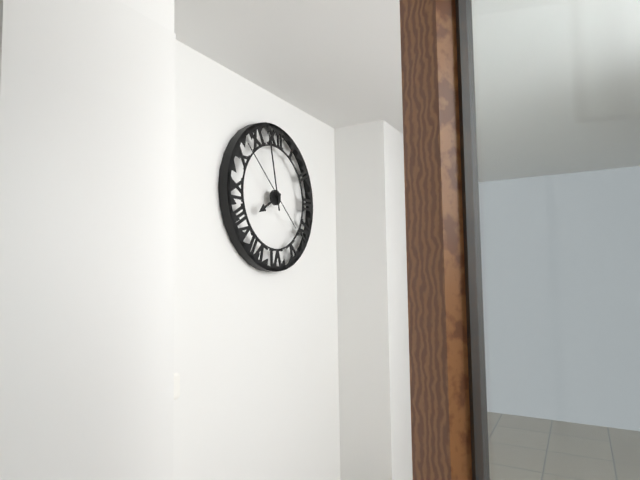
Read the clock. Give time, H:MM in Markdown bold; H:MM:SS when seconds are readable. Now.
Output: **7:58:52**
